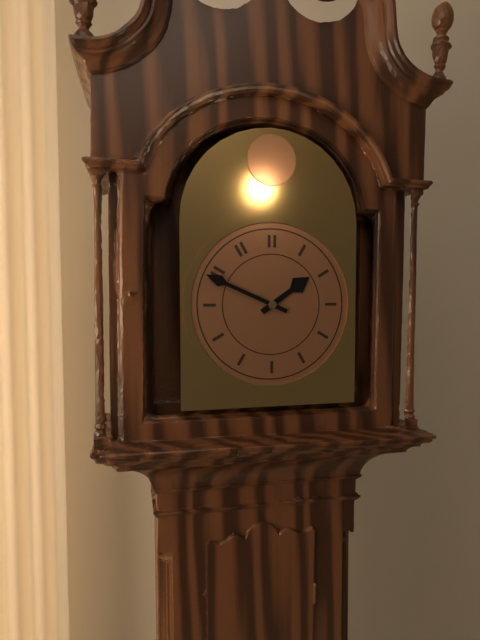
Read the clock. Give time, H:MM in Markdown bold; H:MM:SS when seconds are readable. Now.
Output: **1:49**
